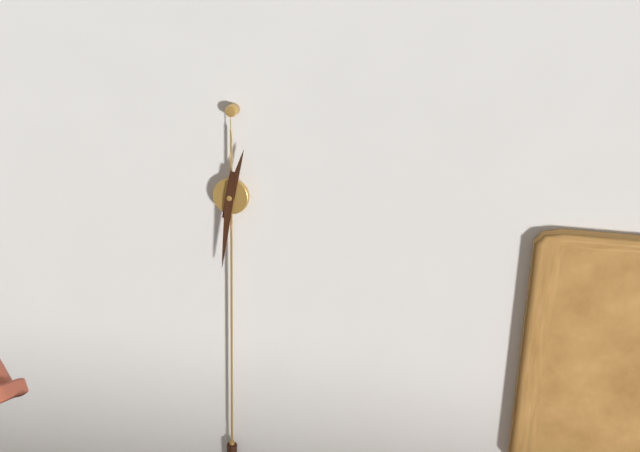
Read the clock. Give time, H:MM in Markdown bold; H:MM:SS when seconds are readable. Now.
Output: **12:31**
